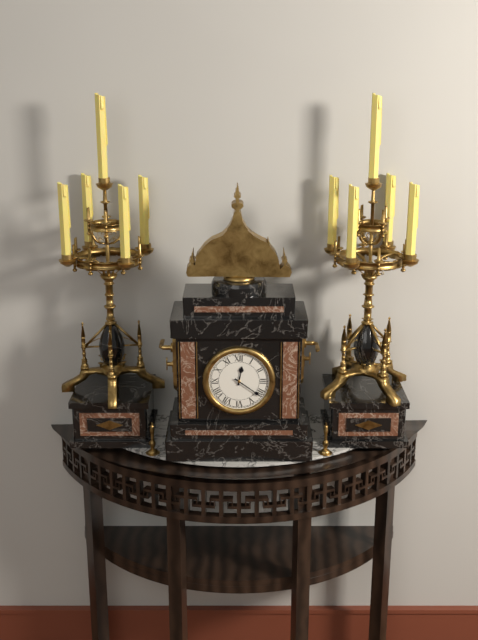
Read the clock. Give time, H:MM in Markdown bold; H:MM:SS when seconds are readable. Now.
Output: **12:21**
